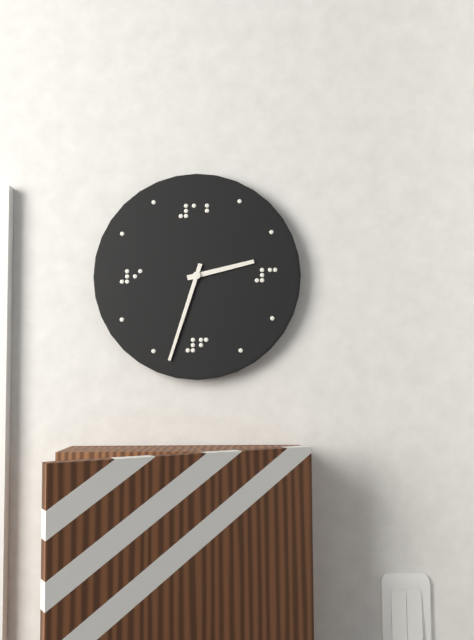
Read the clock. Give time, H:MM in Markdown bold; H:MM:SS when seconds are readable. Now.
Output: **2:33**
